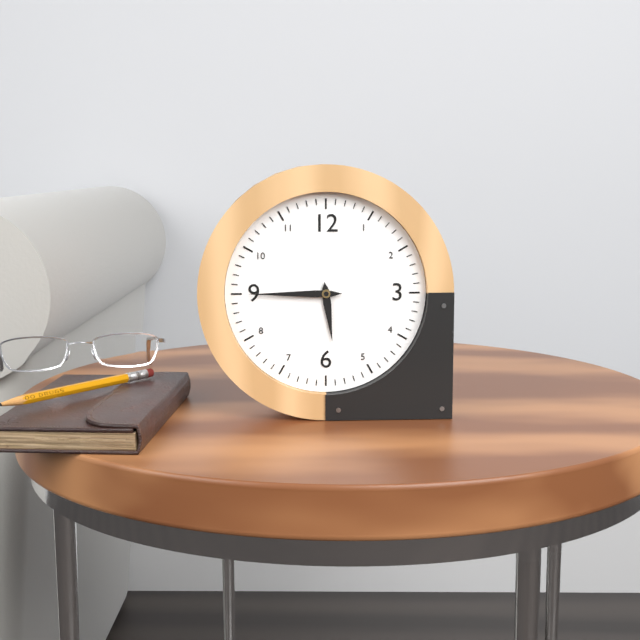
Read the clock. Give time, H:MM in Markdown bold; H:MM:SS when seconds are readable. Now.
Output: **5:45**
